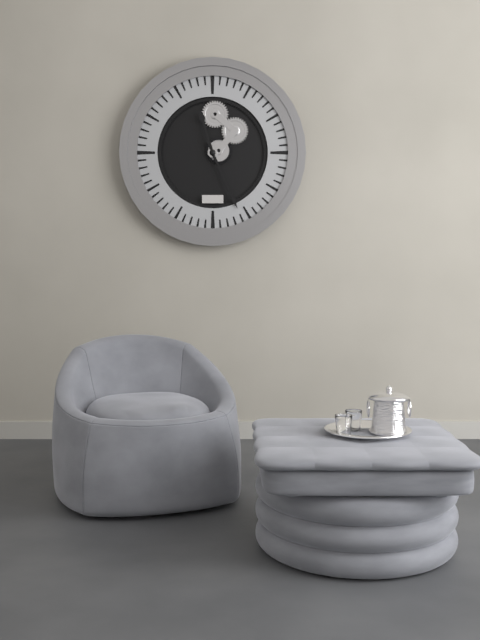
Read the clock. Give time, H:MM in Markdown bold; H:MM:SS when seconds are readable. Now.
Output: **11:26**
